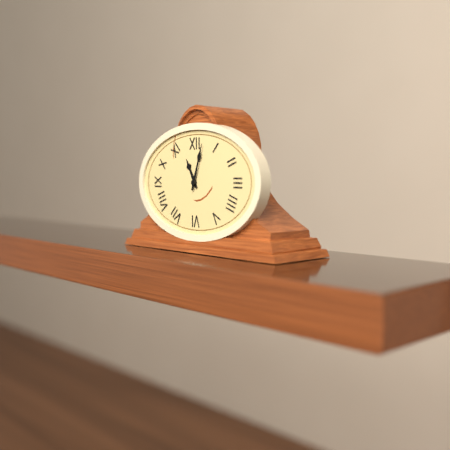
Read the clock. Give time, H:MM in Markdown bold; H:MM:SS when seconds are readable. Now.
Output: **11:03**
